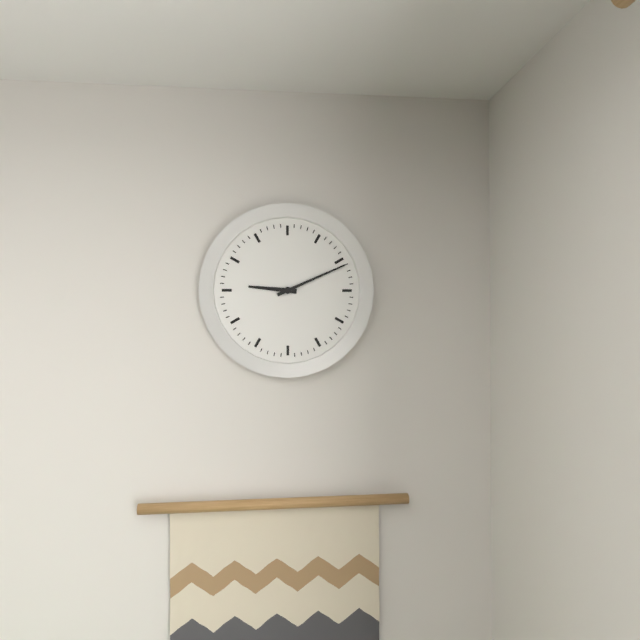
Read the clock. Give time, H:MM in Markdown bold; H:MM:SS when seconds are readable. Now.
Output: **9:11**
